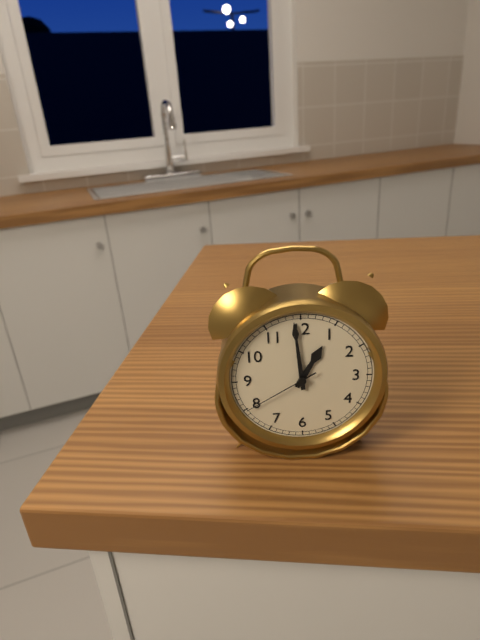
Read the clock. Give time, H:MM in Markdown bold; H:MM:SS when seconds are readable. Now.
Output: **12:59:40**
